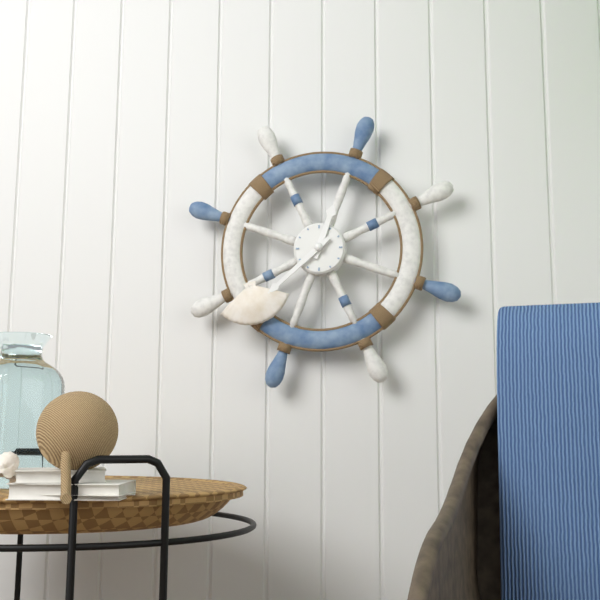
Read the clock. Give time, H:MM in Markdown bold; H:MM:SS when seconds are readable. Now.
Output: **12:38**
